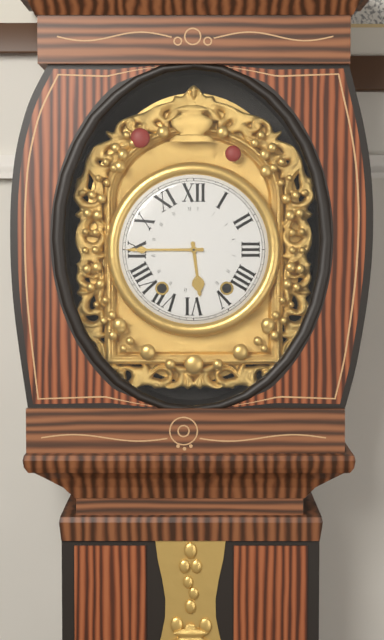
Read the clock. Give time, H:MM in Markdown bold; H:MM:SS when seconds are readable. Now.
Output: **5:45**
